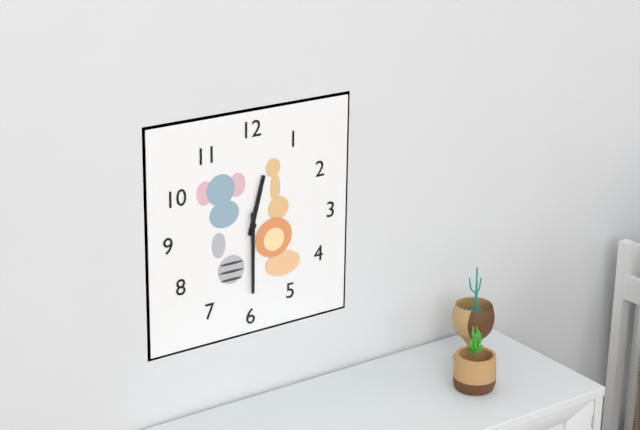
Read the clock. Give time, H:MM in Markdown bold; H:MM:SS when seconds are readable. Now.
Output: **12:30**
